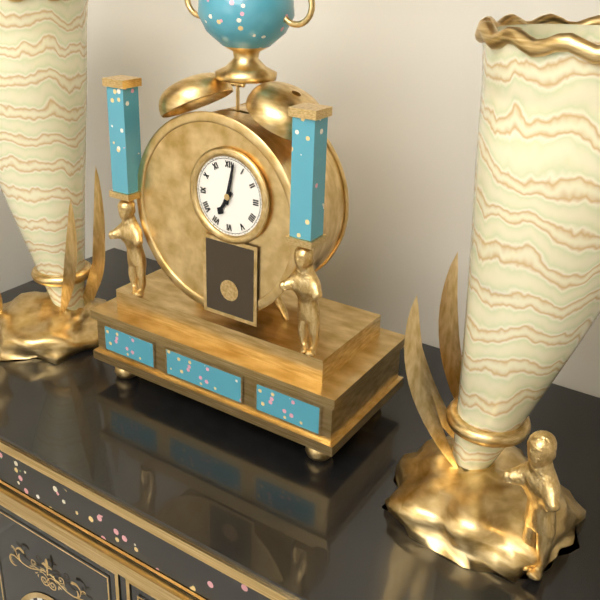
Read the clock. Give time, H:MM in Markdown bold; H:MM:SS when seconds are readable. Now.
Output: **7:02**
